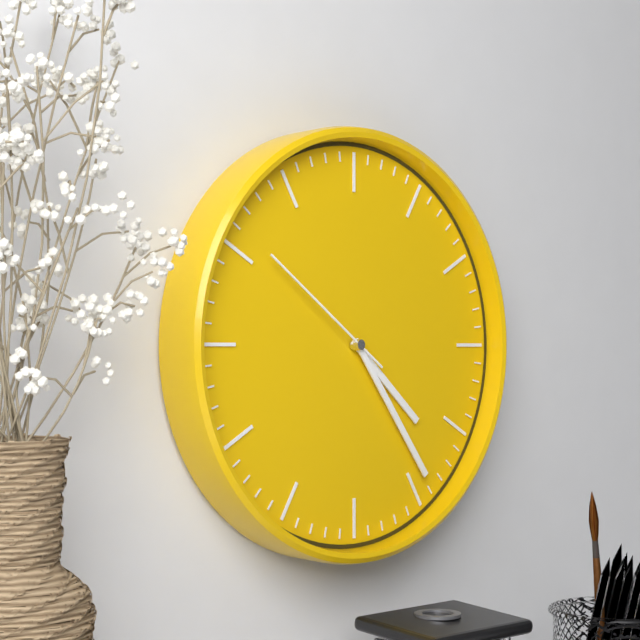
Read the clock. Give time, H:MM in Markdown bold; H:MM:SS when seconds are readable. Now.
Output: **4:24:51**
